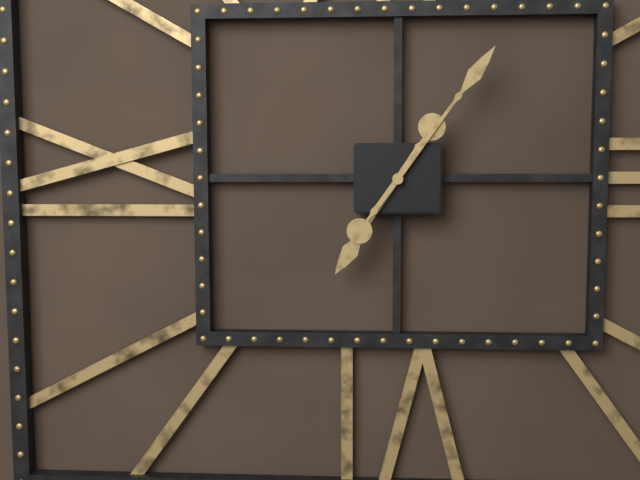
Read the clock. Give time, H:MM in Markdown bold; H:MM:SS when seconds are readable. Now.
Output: **7:06**
